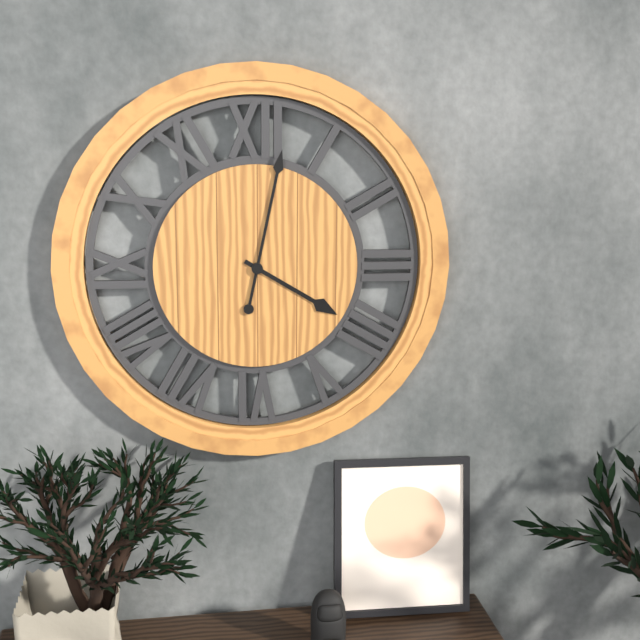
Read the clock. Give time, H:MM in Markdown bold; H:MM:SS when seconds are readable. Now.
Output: **4:02**
